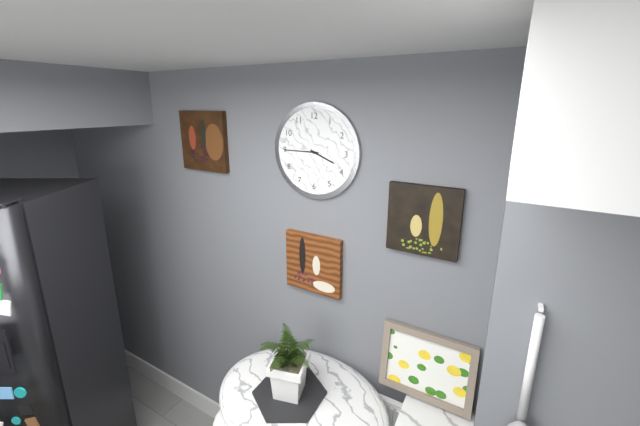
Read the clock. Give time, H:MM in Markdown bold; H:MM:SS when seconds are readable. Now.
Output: **3:45**
